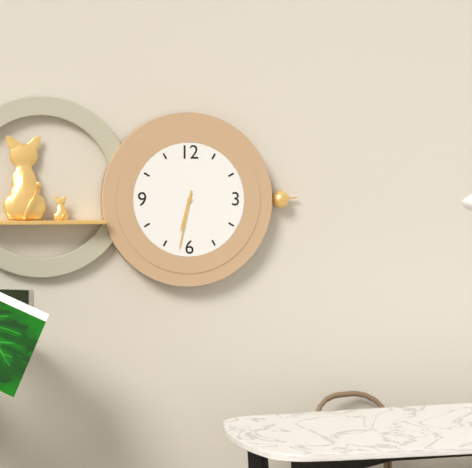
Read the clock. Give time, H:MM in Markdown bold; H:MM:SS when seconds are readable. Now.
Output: **6:32**
